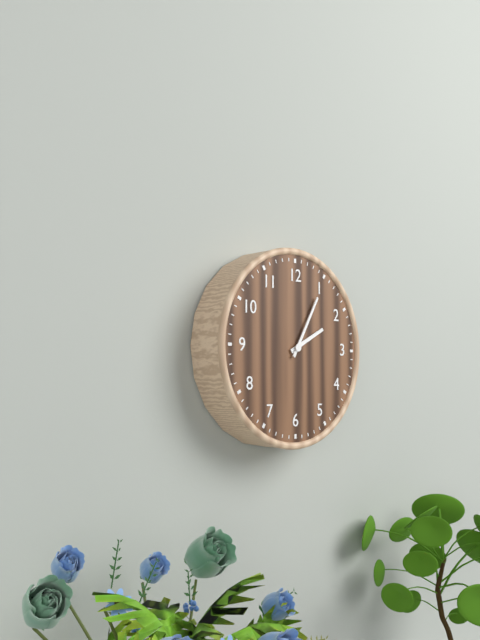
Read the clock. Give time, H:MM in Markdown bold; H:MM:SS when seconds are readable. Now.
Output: **2:05**
